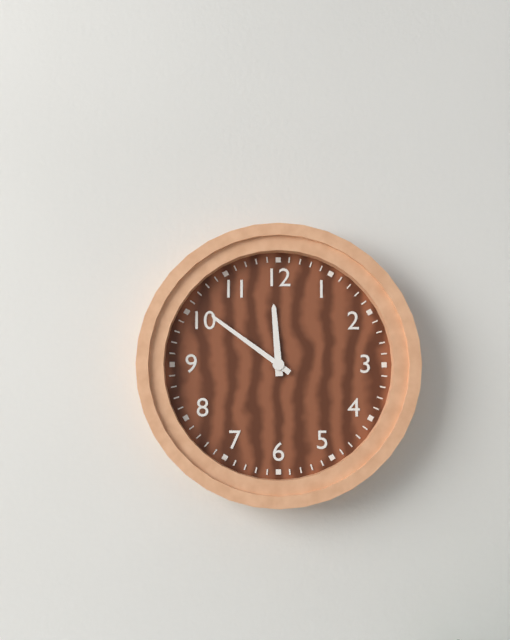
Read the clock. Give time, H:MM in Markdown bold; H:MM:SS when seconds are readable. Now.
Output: **11:51**
